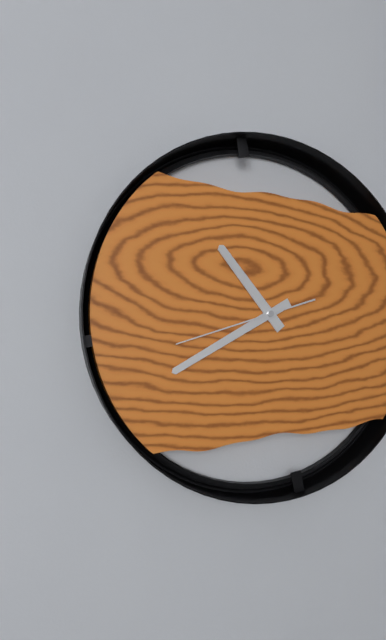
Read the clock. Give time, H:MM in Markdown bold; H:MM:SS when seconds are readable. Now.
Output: **10:40:42**
